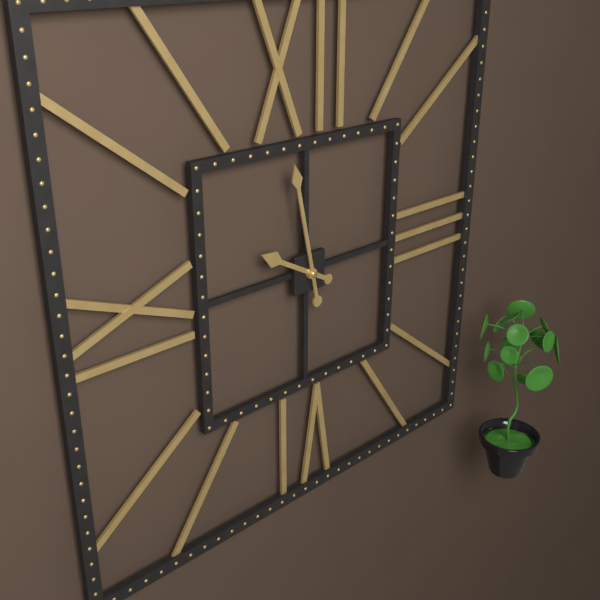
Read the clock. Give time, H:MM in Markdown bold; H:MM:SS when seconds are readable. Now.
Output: **9:58**
